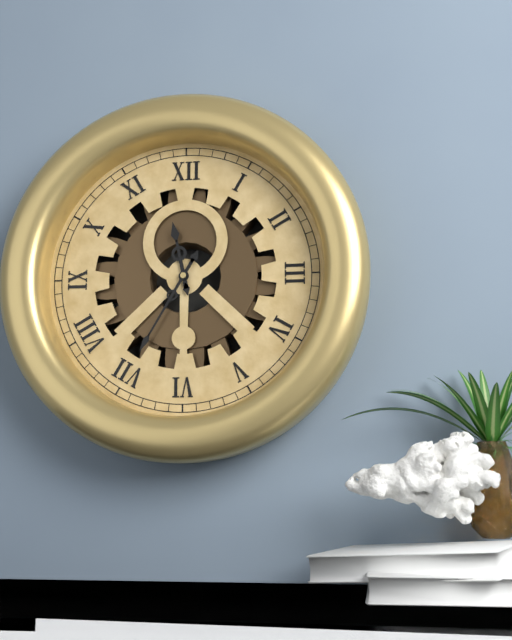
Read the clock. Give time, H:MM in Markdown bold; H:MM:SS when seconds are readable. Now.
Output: **11:35**
